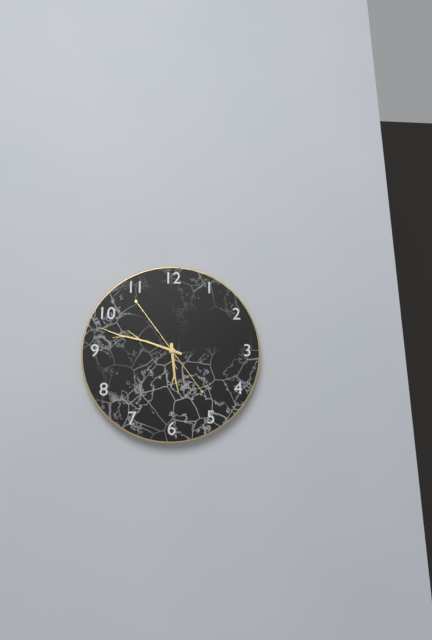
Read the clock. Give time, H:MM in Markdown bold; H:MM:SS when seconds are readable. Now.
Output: **5:48:54**
